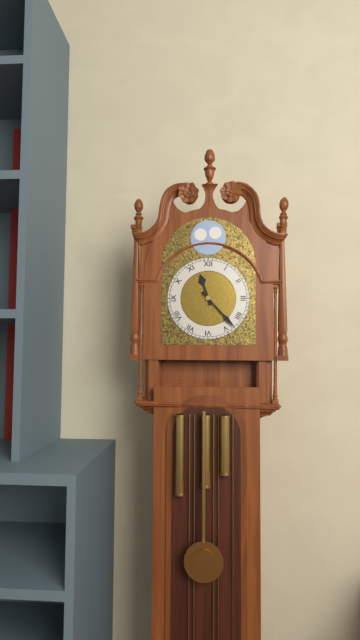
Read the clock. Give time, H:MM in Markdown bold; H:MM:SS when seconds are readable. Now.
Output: **11:23**
